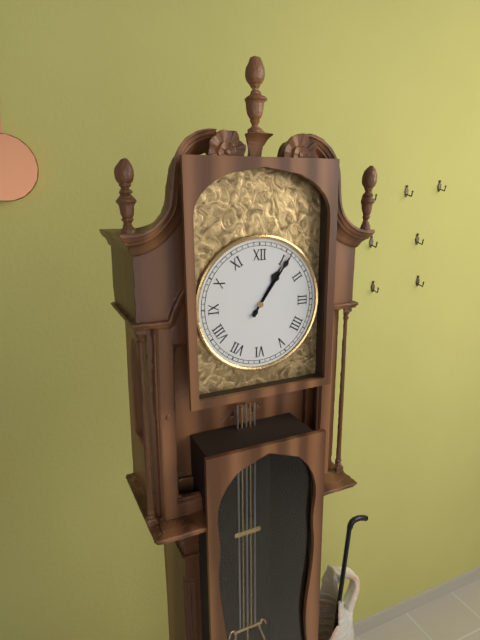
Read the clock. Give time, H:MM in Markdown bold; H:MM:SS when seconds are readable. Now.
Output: **1:06**
